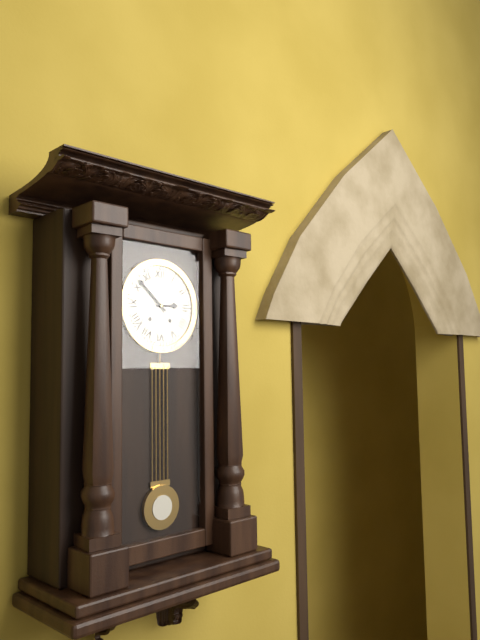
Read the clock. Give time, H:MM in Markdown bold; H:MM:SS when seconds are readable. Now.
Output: **2:52**
